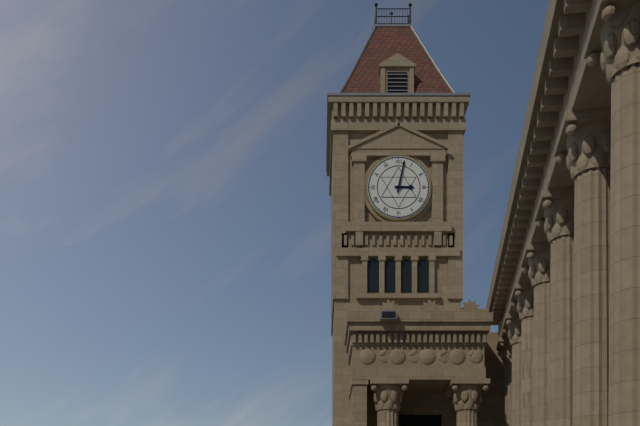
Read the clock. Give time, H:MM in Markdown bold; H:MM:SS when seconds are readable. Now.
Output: **3:02**
